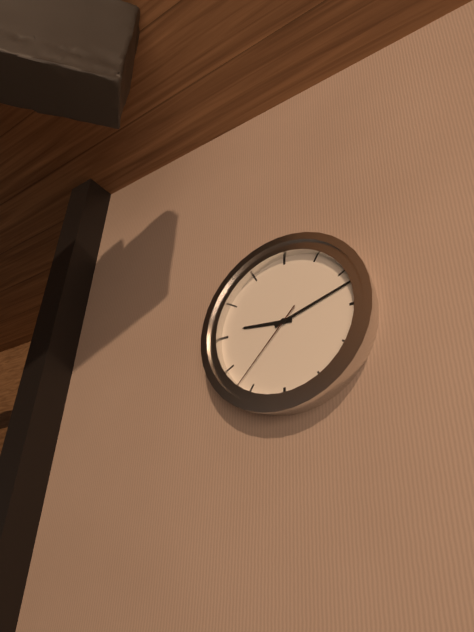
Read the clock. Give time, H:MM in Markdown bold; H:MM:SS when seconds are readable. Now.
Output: **9:12:37**
